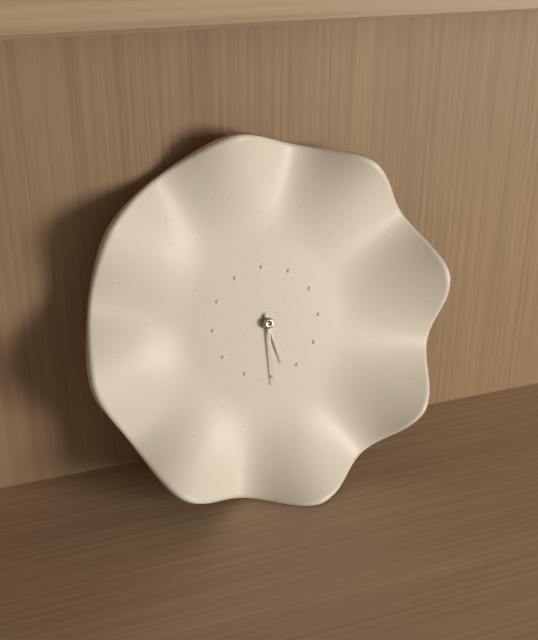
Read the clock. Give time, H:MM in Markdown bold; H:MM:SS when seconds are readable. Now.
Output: **5:30**
